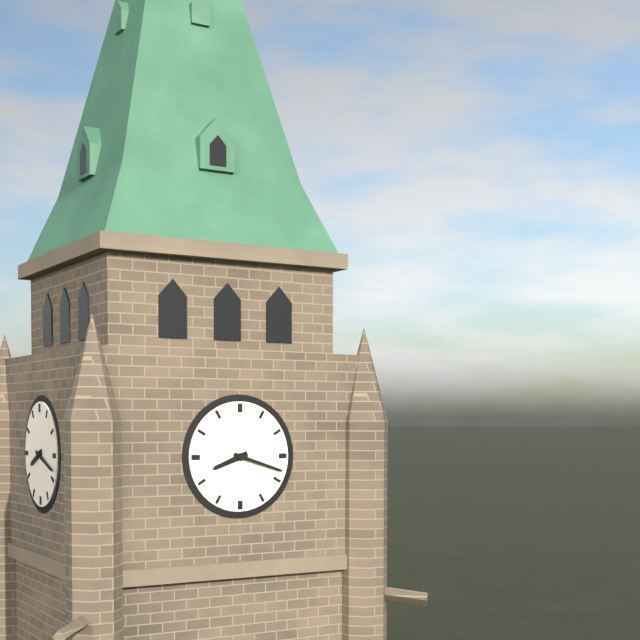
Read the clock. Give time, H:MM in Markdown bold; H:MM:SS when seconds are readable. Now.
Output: **8:18**
